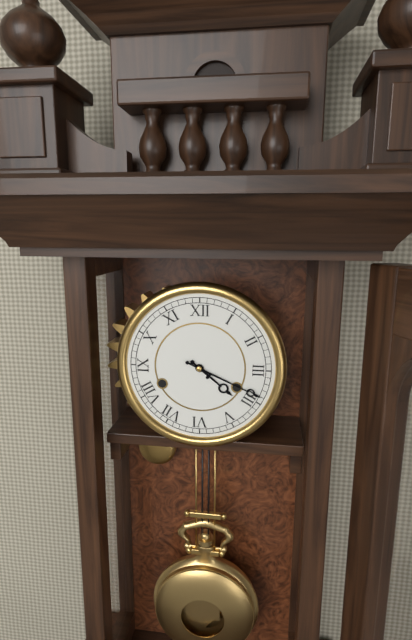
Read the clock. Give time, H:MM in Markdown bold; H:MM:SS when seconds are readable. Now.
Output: **4:19**
